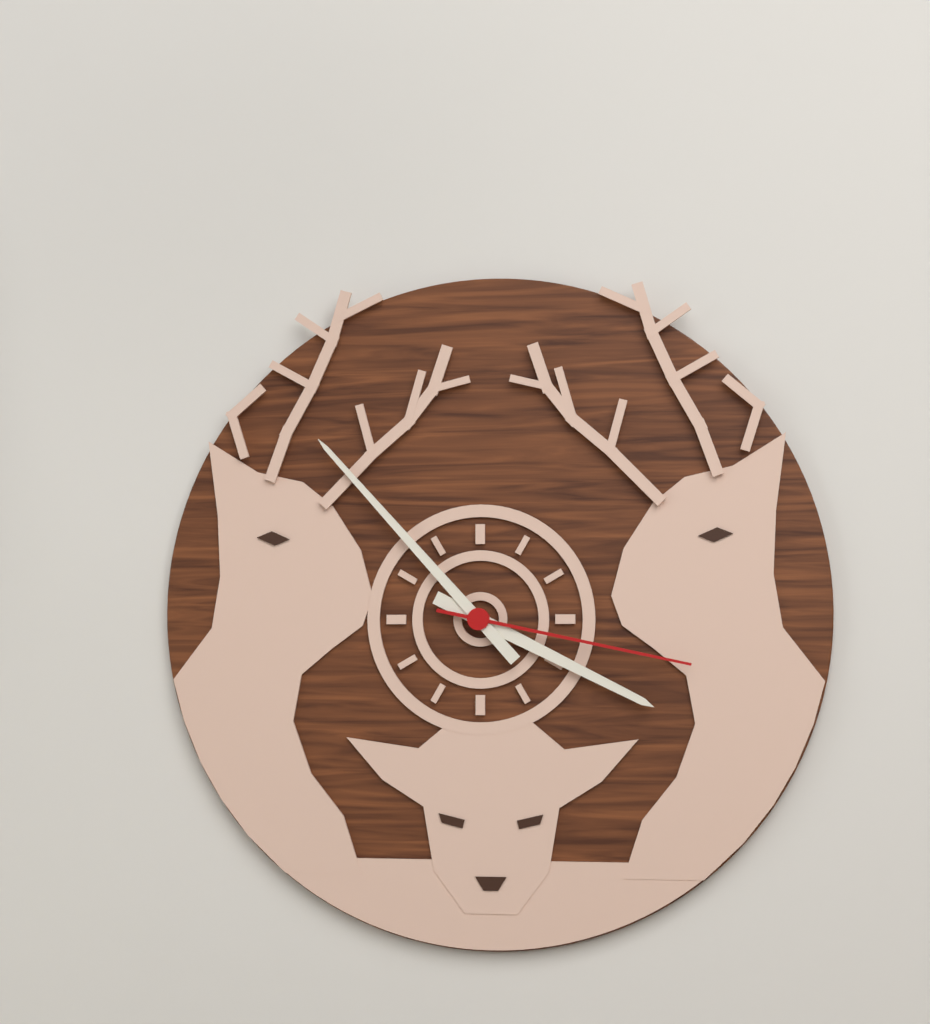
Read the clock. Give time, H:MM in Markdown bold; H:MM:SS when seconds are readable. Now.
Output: **3:53:17**
